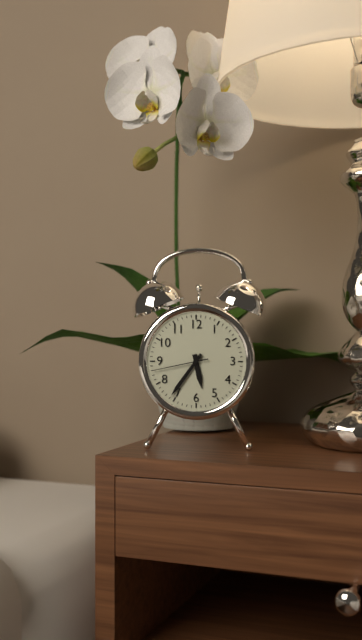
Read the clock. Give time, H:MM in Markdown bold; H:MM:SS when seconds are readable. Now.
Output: **5:36:43**
